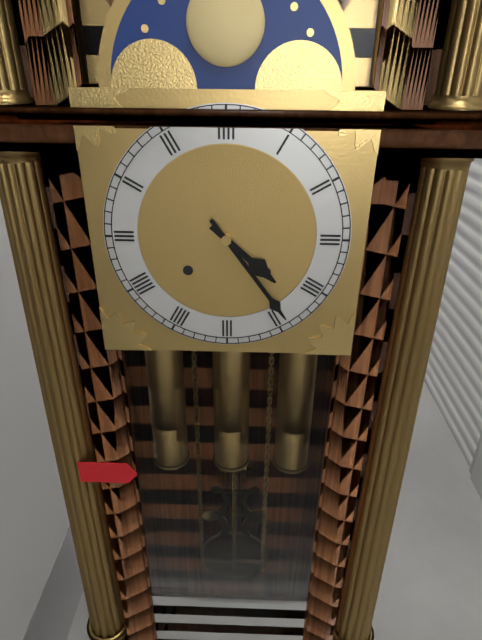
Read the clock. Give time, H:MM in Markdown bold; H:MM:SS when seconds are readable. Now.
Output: **4:24**
